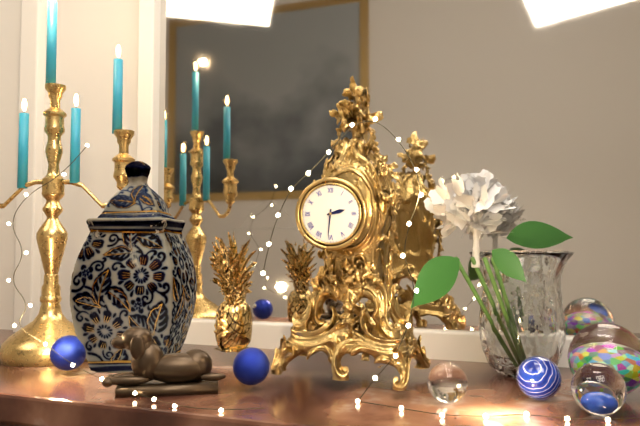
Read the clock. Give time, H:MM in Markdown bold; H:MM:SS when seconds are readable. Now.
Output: **2:31**
